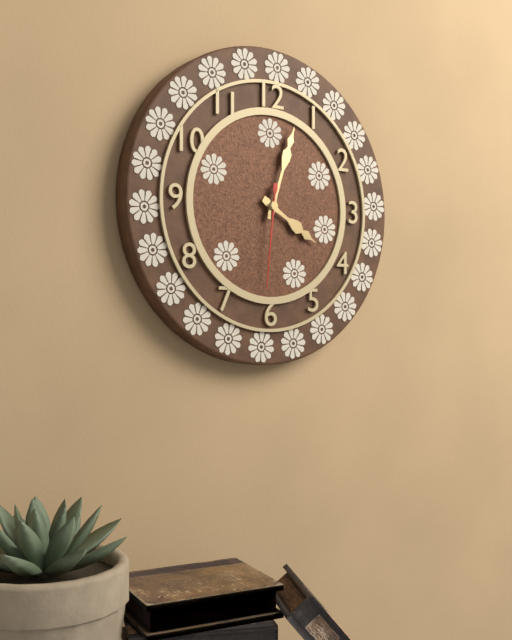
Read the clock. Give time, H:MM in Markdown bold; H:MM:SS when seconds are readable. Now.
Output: **4:03:31**
